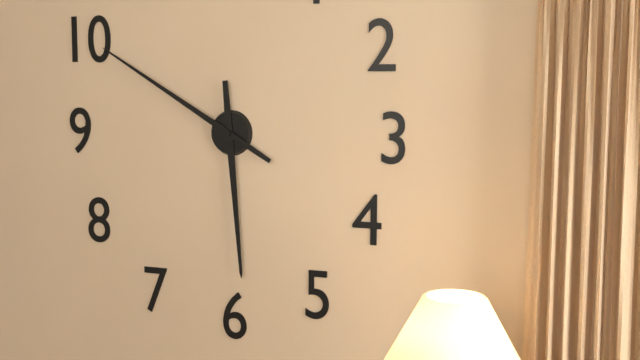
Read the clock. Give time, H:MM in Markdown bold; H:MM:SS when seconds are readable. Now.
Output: **5:50**
